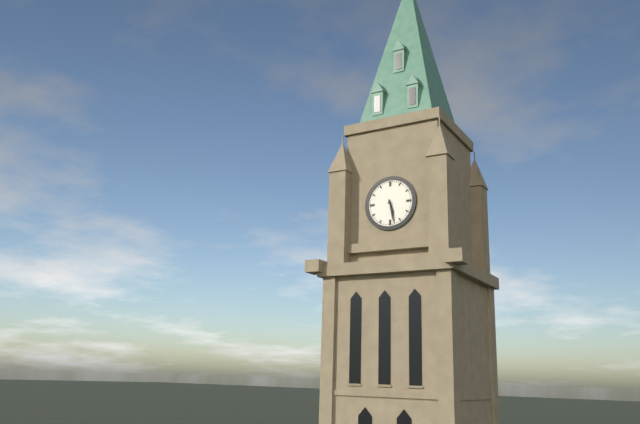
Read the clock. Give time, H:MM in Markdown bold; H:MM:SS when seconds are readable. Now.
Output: **5:28**
